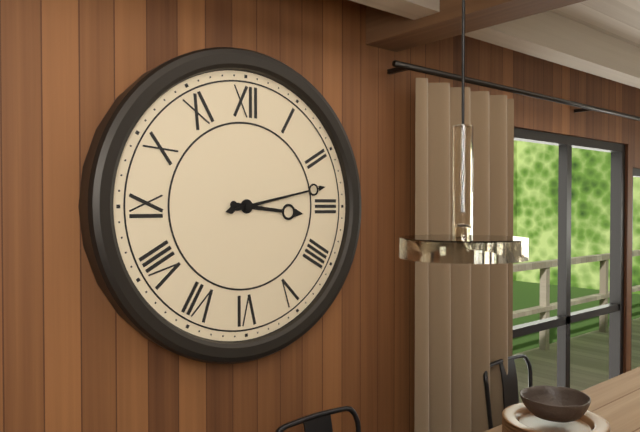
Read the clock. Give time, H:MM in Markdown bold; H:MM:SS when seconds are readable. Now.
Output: **3:13**
